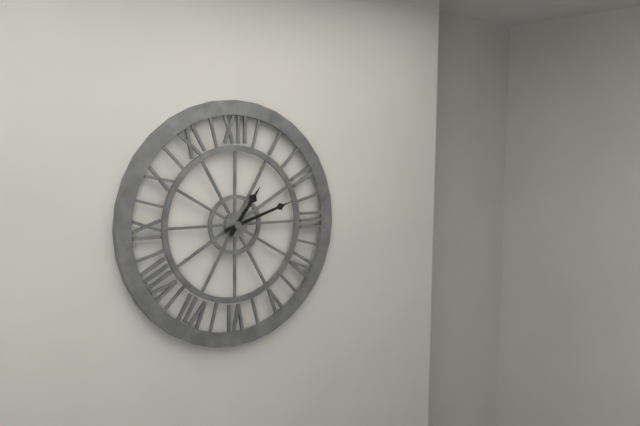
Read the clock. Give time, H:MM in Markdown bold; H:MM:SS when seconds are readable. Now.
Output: **1:12**
